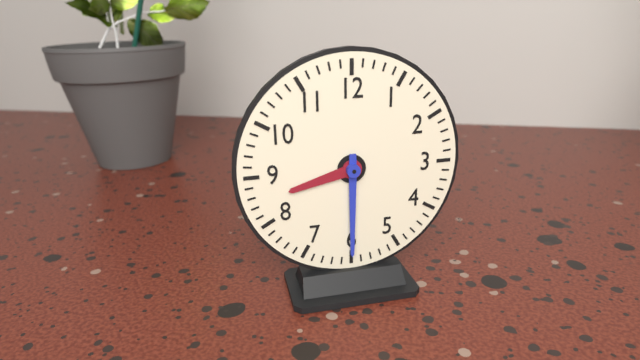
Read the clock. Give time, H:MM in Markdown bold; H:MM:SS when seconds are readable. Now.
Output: **8:30**
